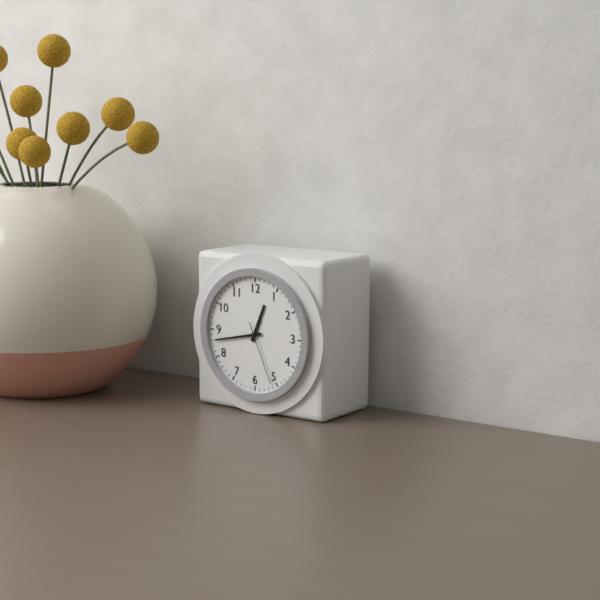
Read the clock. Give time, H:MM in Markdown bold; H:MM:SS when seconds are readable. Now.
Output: **12:43:26**
